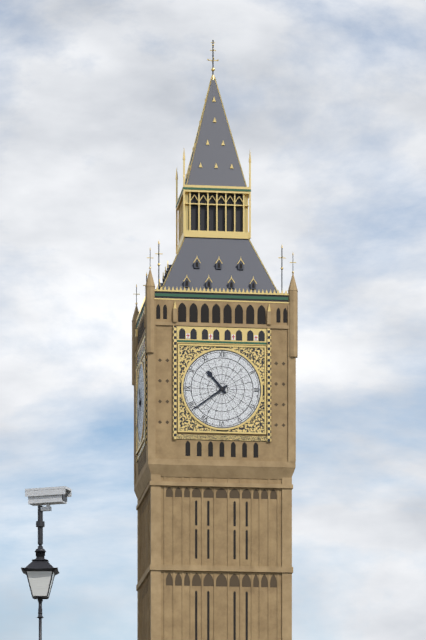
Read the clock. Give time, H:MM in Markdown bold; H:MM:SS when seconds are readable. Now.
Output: **10:39**
